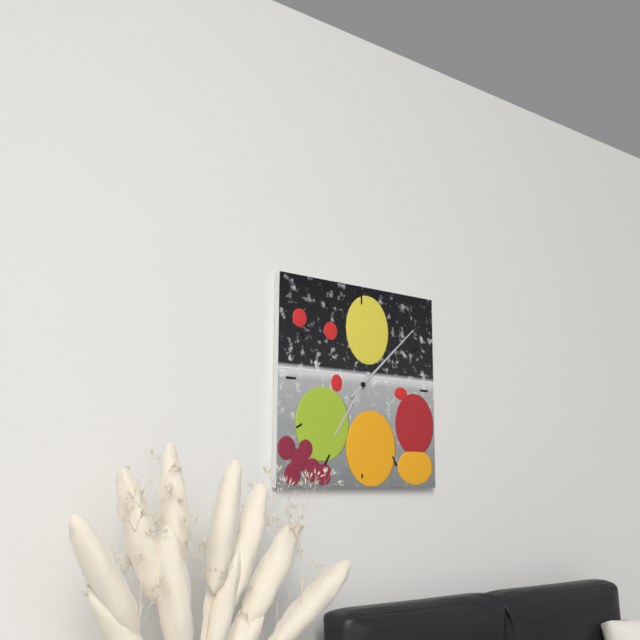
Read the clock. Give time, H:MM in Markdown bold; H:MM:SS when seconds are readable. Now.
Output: **7:08**
